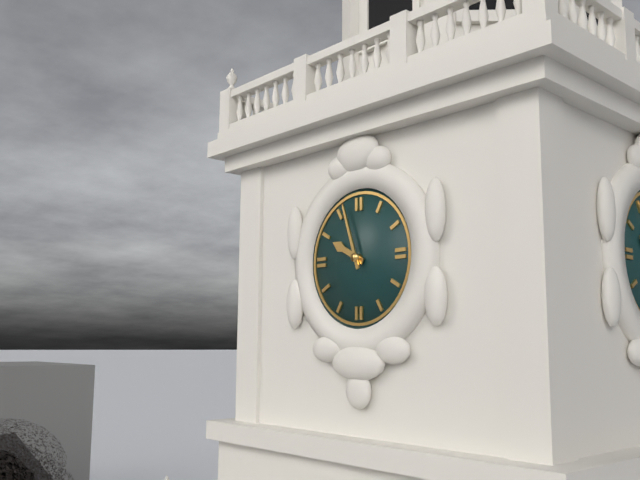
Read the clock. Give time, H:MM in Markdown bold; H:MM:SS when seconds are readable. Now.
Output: **9:57**
